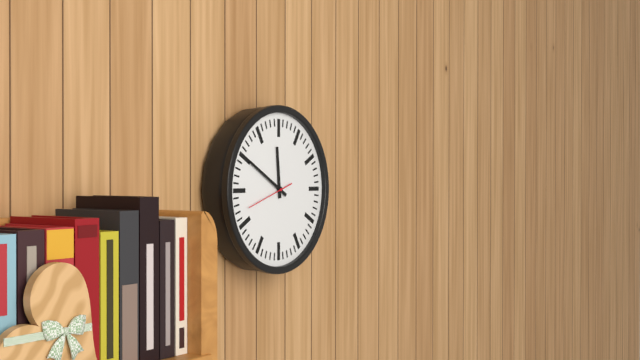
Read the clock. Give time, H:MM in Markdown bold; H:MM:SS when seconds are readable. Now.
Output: **11:50**
